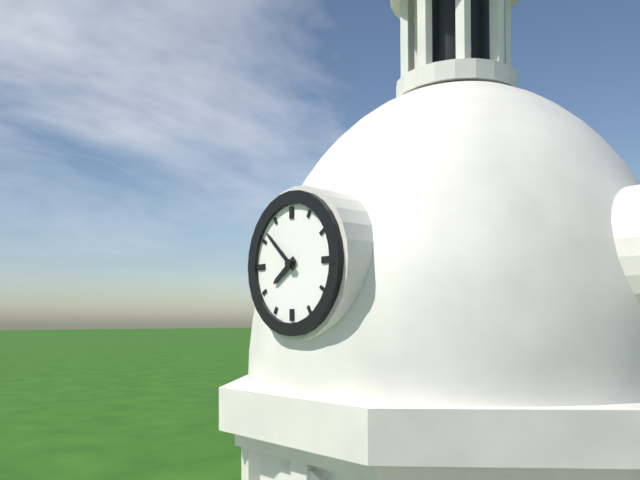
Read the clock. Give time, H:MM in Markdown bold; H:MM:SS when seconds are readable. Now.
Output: **7:52**
